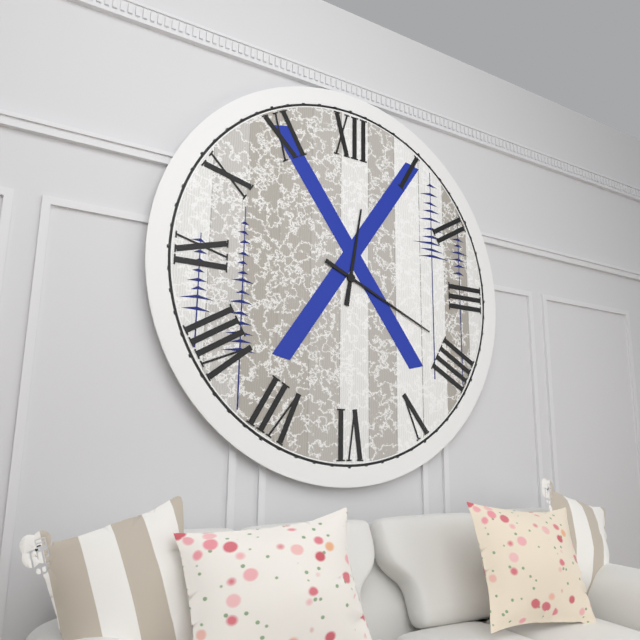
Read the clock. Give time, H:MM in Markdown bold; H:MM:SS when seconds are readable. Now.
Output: **12:19**
